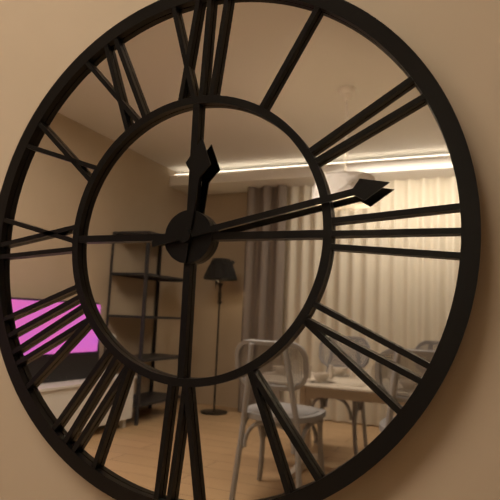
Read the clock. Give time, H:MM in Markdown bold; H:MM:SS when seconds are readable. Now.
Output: **12:13**
